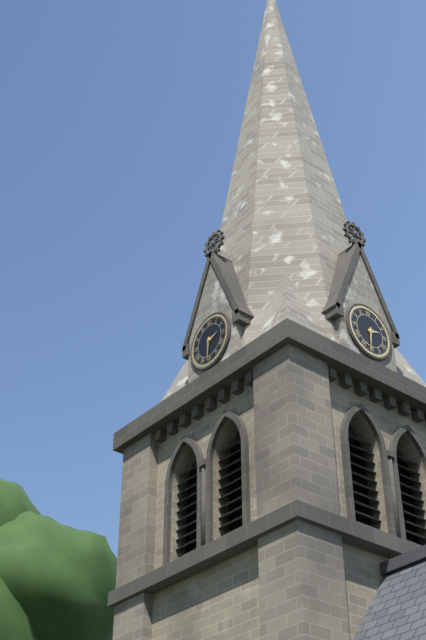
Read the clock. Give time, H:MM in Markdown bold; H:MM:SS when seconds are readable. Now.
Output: **2:31**
